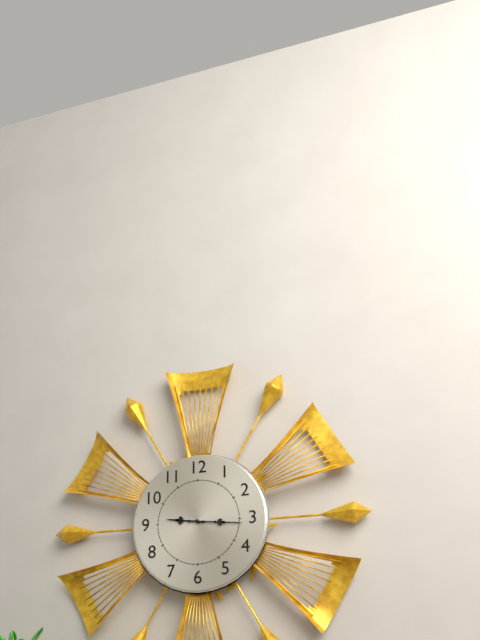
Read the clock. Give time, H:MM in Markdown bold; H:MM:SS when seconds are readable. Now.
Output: **9:16**
